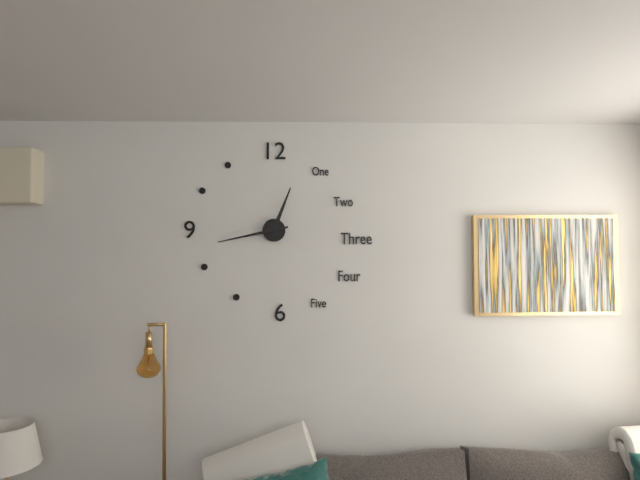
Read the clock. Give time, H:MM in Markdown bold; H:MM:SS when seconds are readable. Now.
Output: **12:43**
